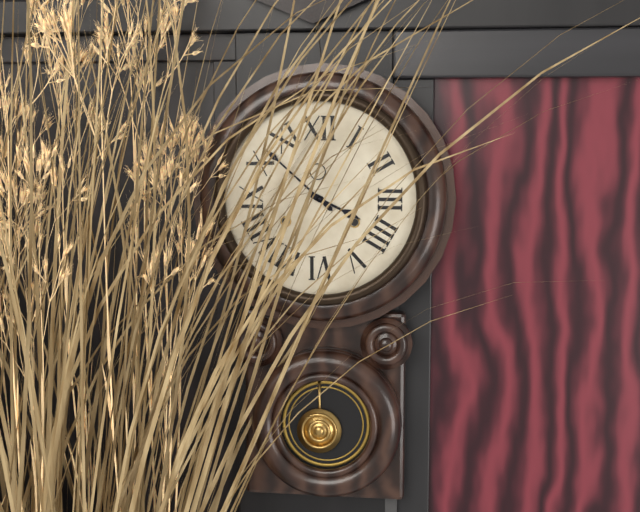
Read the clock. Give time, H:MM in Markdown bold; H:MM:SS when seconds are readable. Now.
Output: **3:52**
